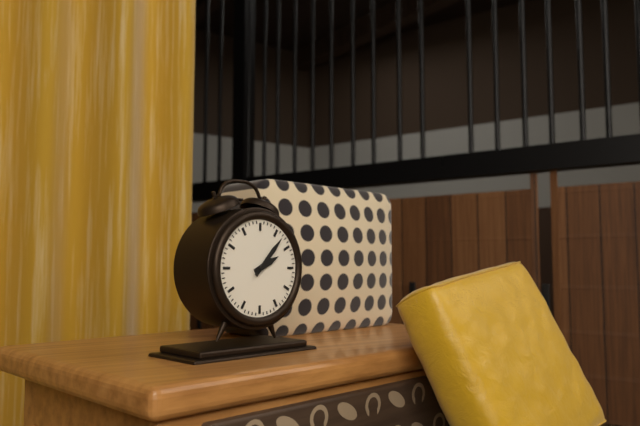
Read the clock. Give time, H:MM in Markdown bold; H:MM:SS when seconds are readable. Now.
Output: **2:07**
